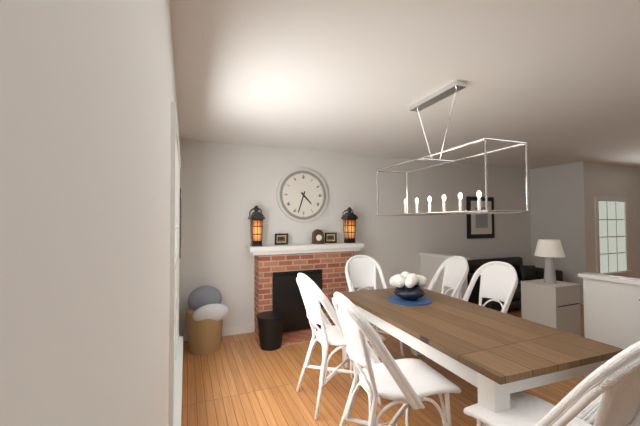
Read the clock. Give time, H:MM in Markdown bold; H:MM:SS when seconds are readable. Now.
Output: **4:33**
